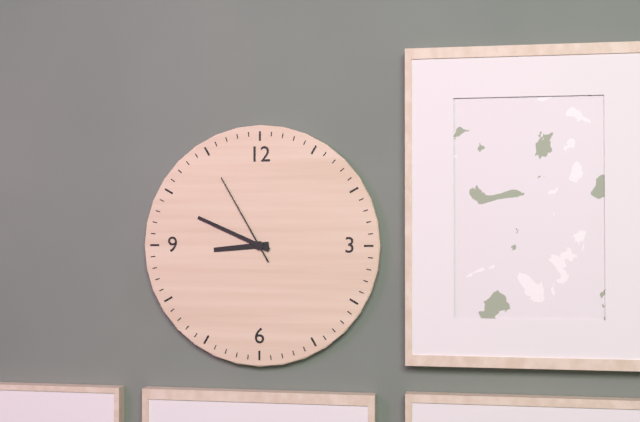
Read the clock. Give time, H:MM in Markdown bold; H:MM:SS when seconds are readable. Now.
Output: **8:49:55**
